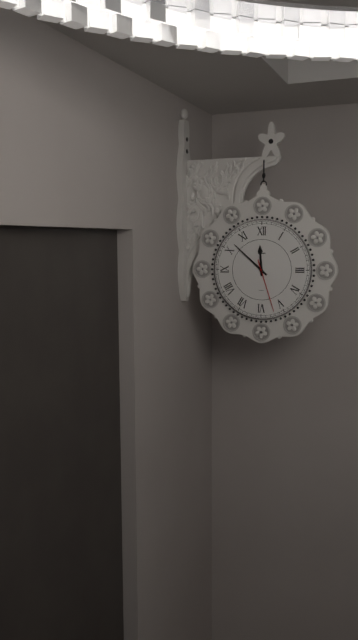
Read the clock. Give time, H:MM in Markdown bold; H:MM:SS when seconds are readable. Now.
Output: **11:52:27**
